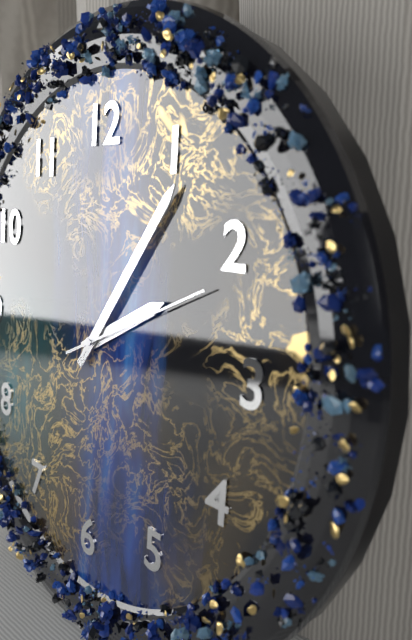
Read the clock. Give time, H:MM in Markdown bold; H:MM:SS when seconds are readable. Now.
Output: **2:06:11**
